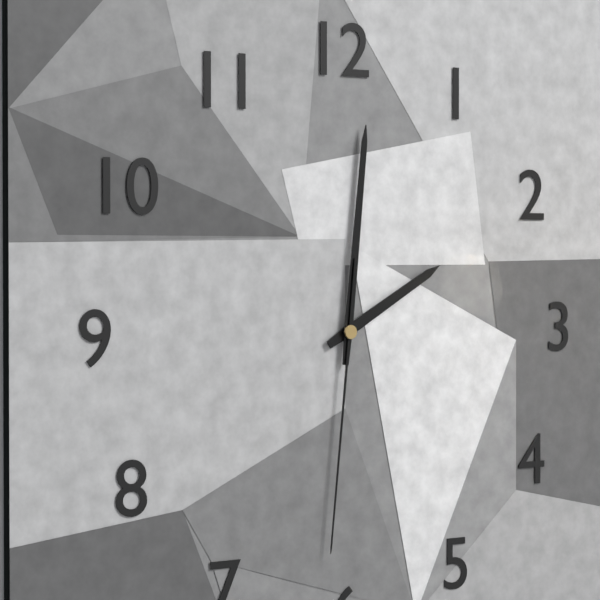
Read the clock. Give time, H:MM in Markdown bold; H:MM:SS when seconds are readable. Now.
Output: **2:01:31**
